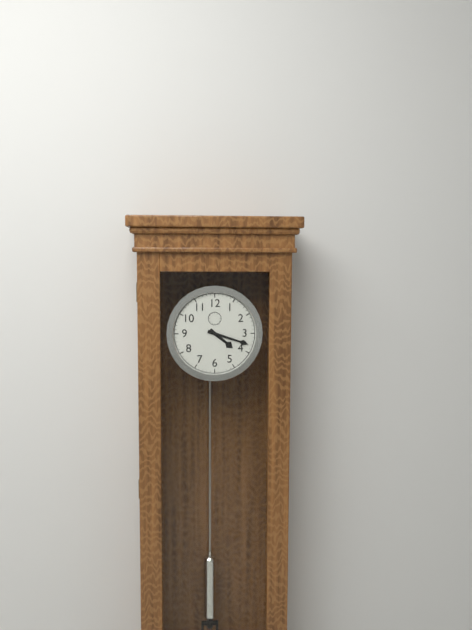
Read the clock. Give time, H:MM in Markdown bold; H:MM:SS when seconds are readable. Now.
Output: **4:18**
